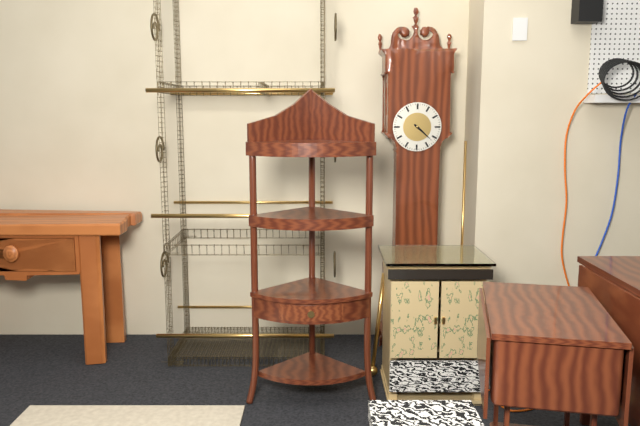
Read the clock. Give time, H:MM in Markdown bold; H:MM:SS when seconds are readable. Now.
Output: **4:22**
